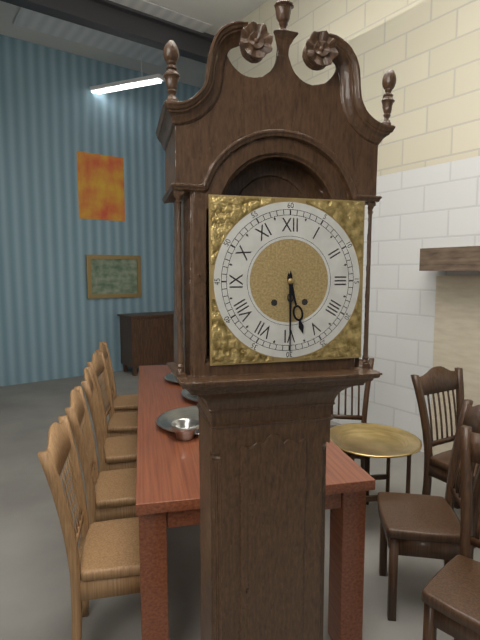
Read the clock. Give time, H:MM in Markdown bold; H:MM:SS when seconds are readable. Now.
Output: **5:30**
